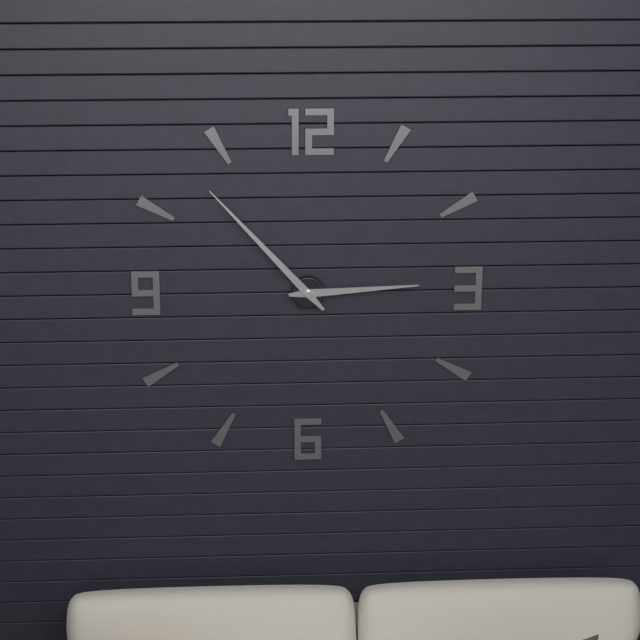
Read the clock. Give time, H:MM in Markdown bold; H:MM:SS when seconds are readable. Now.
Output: **2:53**
